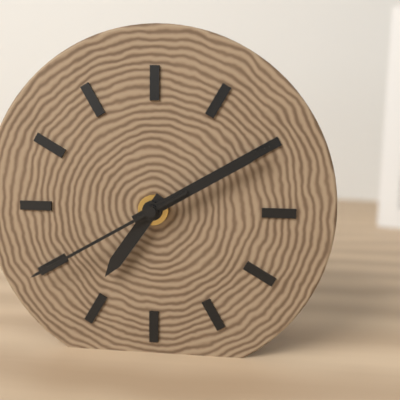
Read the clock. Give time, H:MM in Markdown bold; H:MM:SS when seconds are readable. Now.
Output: **7:10:40**
